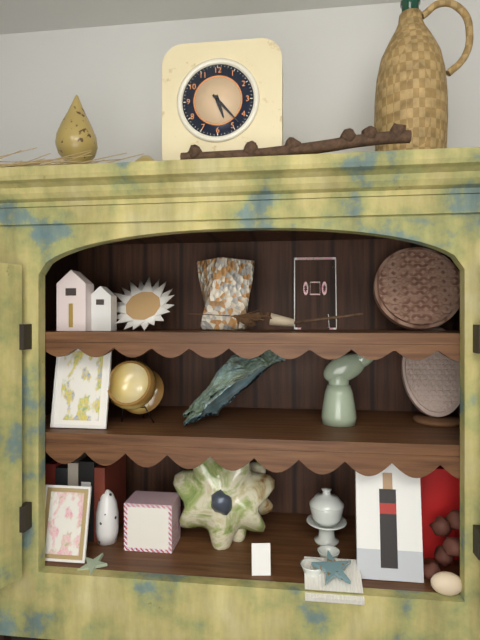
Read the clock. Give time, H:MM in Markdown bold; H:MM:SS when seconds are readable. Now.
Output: **5:23**
